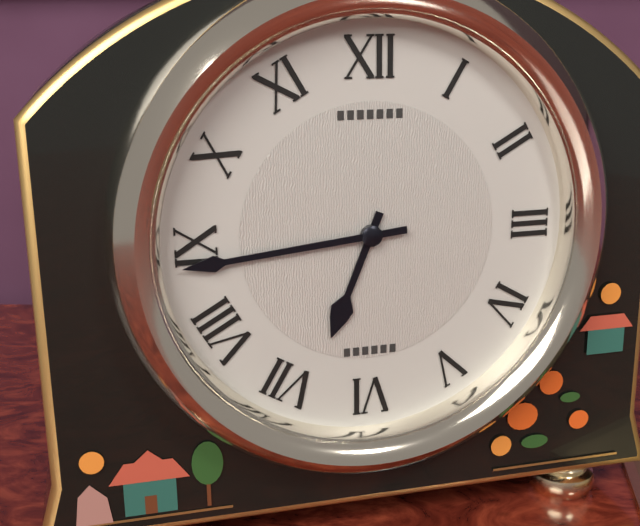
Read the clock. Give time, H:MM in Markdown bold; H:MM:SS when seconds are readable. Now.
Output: **6:44**
